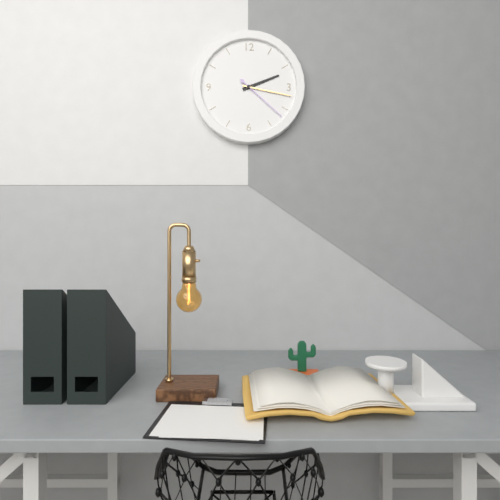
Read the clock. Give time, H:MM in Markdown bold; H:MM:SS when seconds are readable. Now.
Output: **2:17:22**
